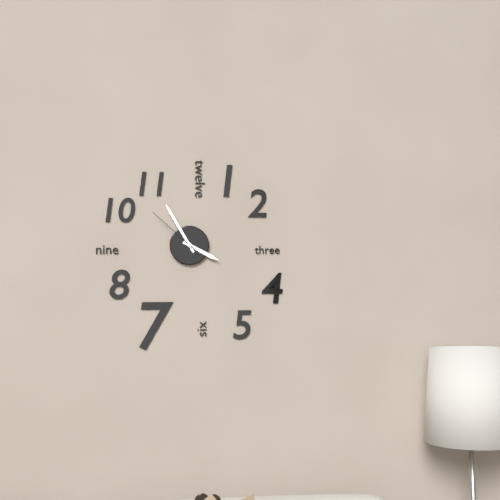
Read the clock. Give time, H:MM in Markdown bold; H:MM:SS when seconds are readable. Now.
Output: **3:55:52**
